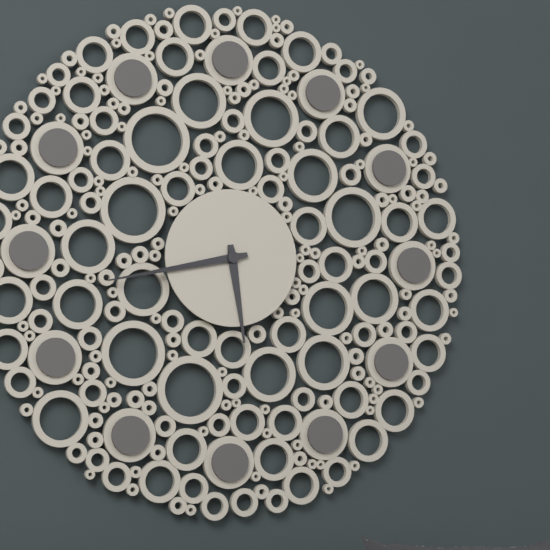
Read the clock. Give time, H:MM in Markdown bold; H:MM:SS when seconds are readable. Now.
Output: **5:43**
